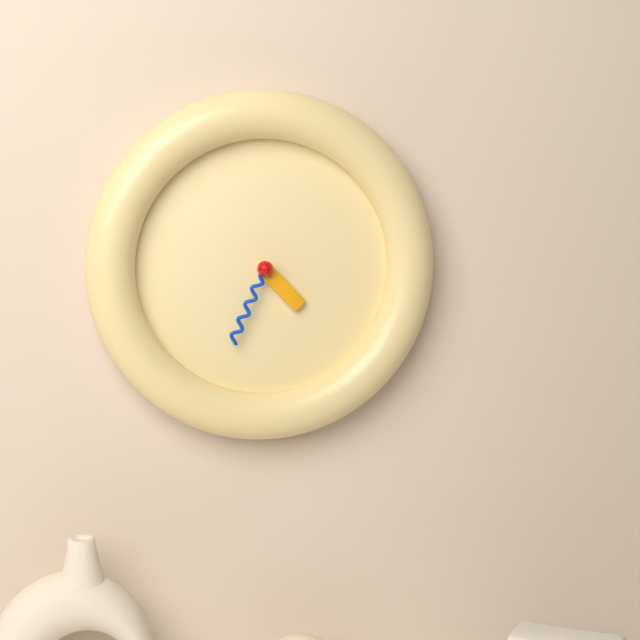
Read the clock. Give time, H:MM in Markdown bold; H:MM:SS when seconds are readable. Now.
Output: **4:34**
